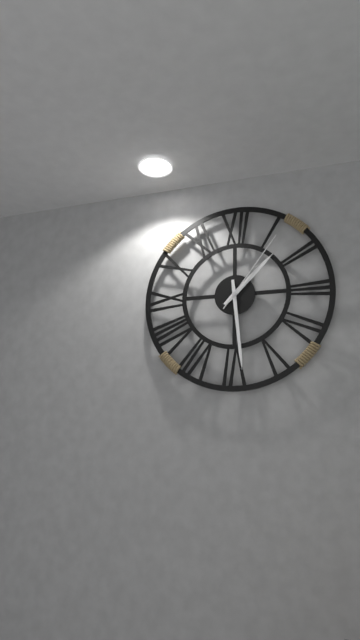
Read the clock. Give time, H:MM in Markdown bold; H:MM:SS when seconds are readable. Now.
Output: **1:29:06**
